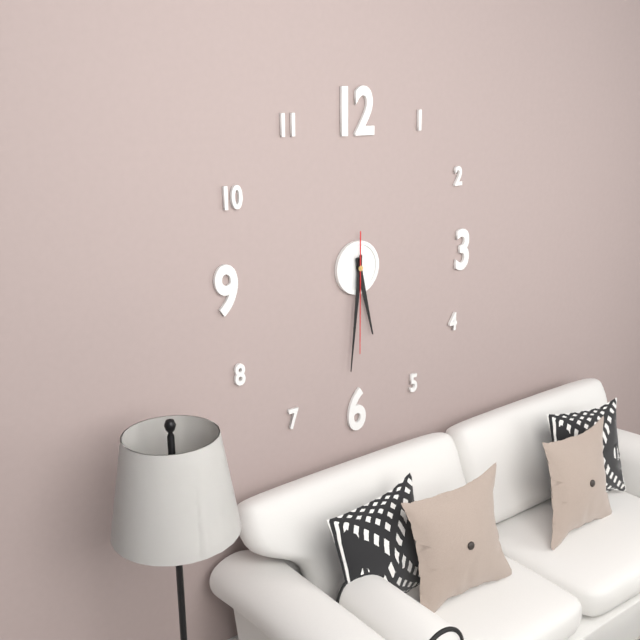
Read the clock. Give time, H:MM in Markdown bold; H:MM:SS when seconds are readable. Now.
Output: **5:31:30**
